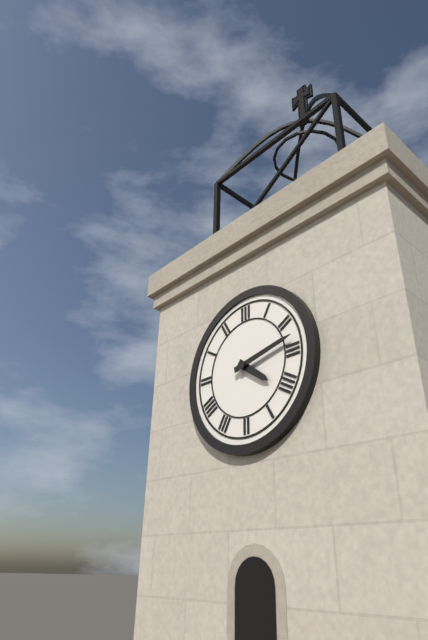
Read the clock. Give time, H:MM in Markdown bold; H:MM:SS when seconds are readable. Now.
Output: **4:13**
